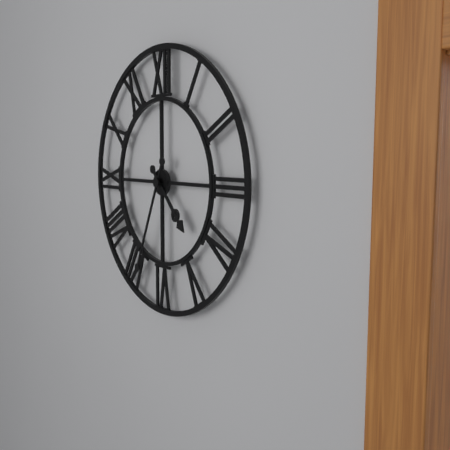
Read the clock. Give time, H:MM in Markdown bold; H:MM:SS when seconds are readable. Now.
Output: **4:34**
